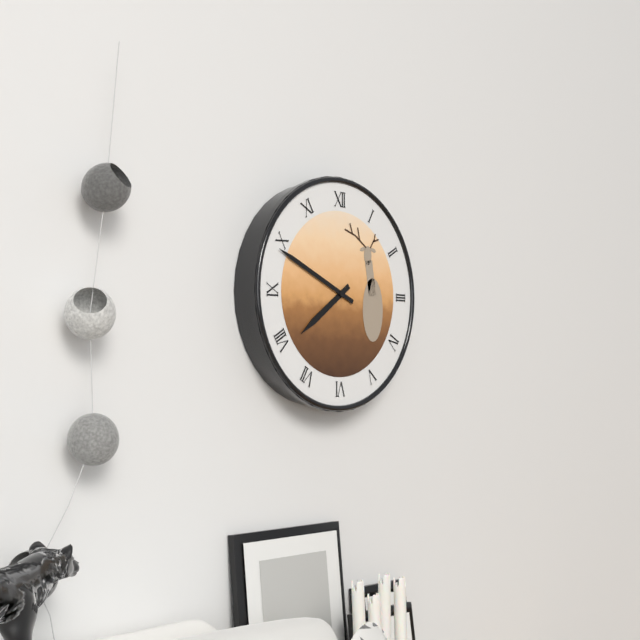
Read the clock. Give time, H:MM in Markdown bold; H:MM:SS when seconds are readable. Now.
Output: **7:49**
